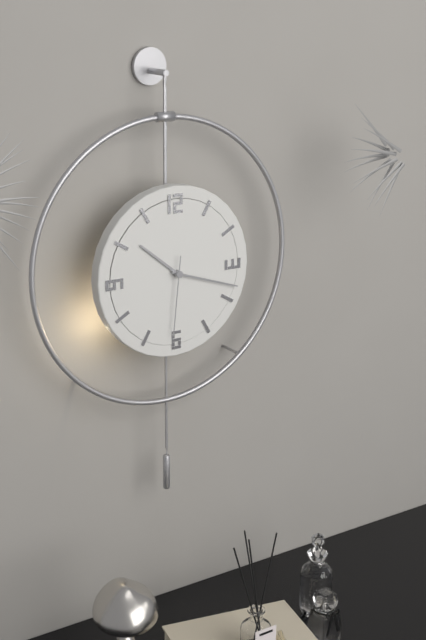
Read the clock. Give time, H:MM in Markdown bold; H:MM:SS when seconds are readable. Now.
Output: **10:18:31**
